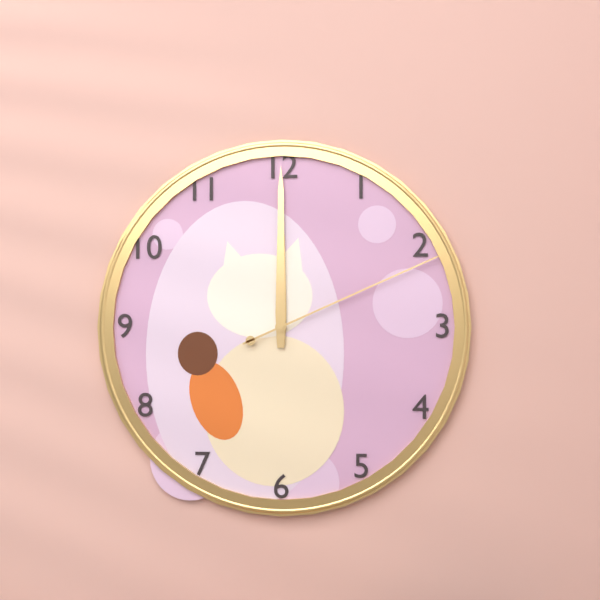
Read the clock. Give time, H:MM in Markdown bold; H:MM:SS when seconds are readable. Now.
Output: **12:00:11**
